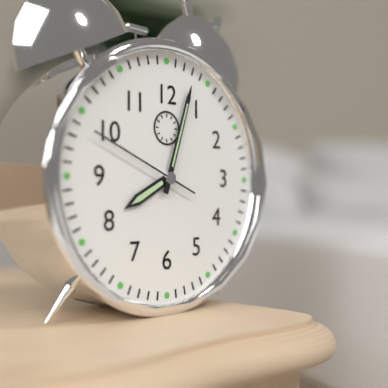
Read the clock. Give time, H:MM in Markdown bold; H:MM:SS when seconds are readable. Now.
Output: **8:03:49**
